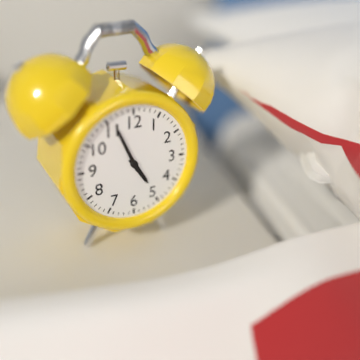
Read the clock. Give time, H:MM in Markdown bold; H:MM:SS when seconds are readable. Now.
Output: **4:56**
